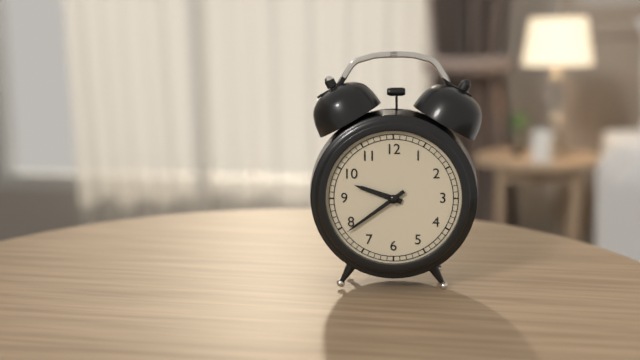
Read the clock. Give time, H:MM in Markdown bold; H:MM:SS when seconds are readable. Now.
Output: **9:39**
